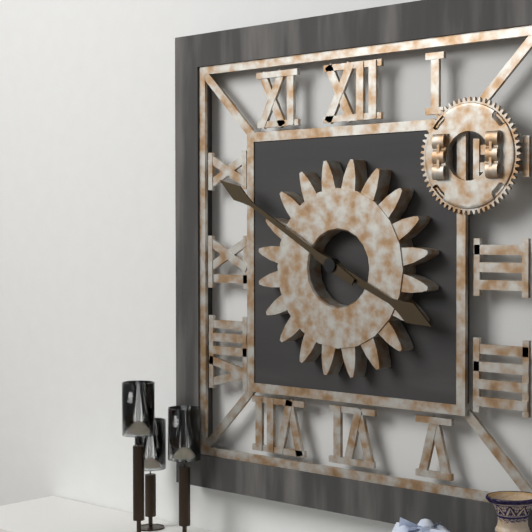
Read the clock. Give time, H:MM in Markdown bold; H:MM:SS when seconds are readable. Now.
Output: **3:50**
